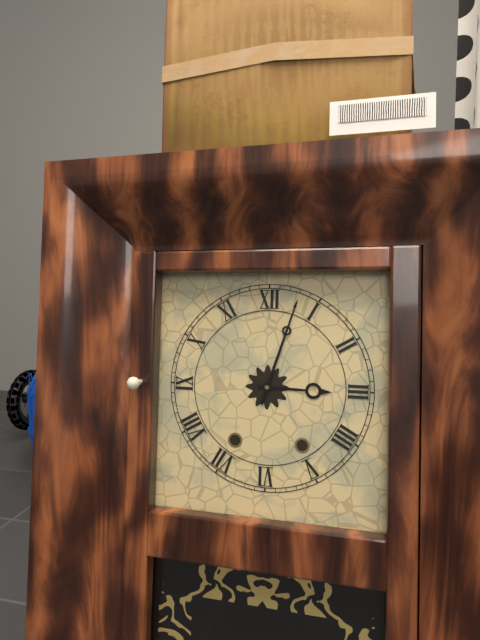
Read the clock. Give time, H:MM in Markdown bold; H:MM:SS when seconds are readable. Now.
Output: **3:03**
